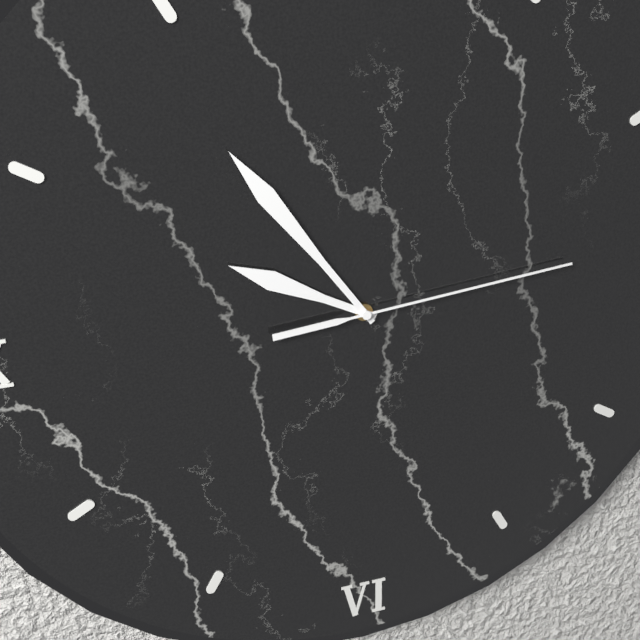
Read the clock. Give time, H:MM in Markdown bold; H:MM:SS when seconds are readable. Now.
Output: **9:54:14**
